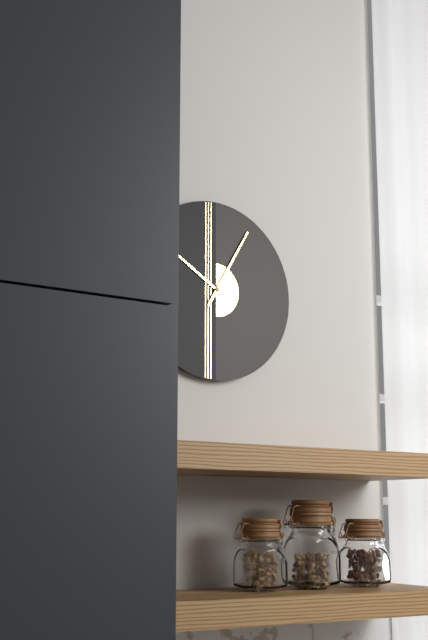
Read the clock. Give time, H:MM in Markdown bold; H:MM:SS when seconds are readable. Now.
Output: **10:05**
